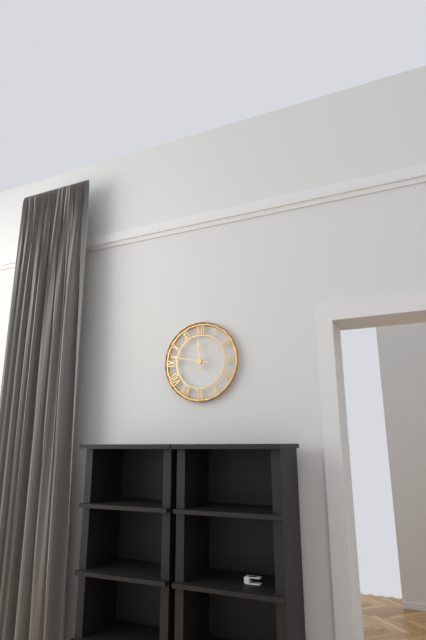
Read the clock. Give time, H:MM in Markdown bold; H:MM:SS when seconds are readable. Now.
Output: **11:47**
